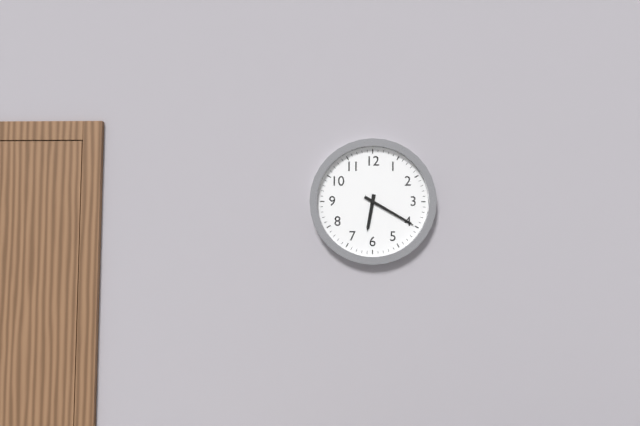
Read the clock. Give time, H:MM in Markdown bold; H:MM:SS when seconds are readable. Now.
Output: **6:20**
